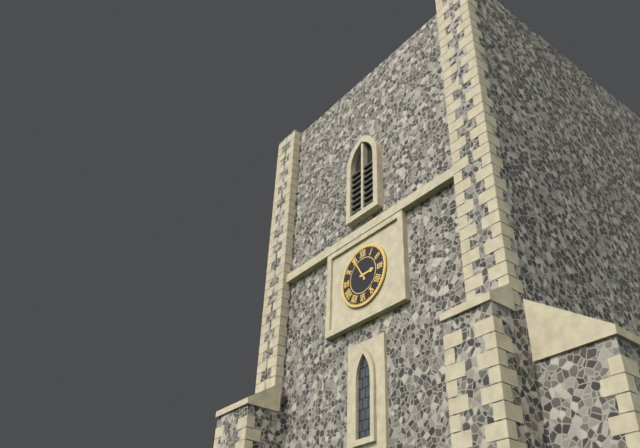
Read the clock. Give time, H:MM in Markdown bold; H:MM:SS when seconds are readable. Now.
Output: **2:55**
